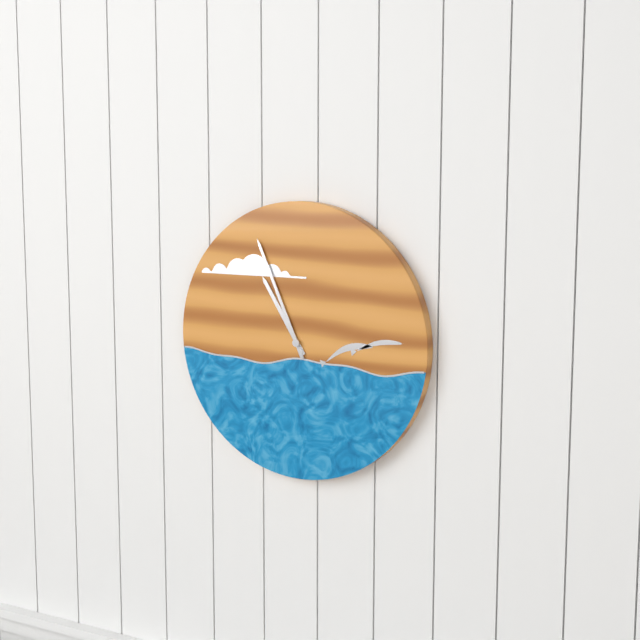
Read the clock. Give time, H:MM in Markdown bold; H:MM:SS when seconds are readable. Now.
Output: **10:56**
